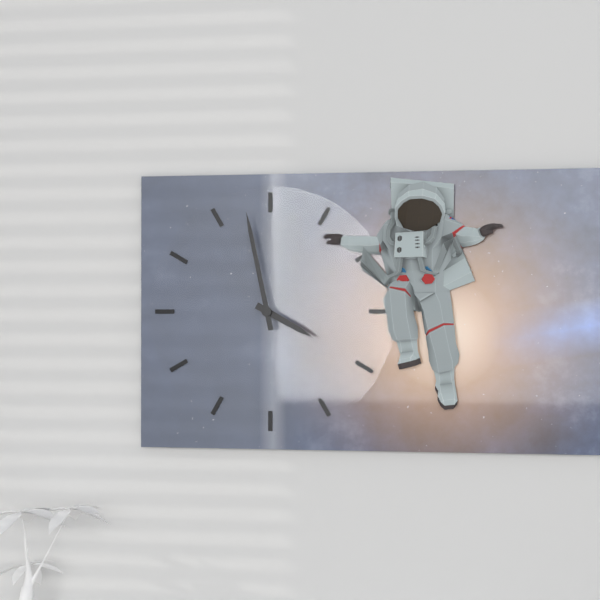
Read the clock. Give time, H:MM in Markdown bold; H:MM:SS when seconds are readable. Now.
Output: **3:58**
